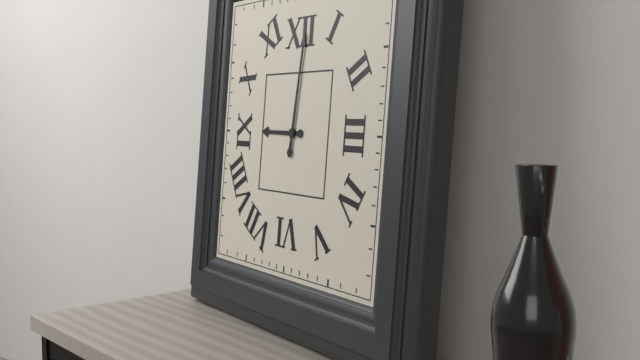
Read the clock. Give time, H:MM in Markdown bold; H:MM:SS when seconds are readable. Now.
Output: **9:01**
